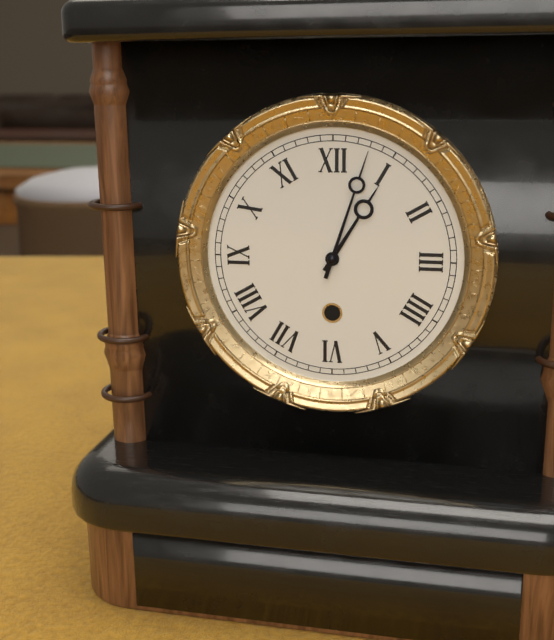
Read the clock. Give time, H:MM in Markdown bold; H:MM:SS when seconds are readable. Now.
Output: **1:03**
